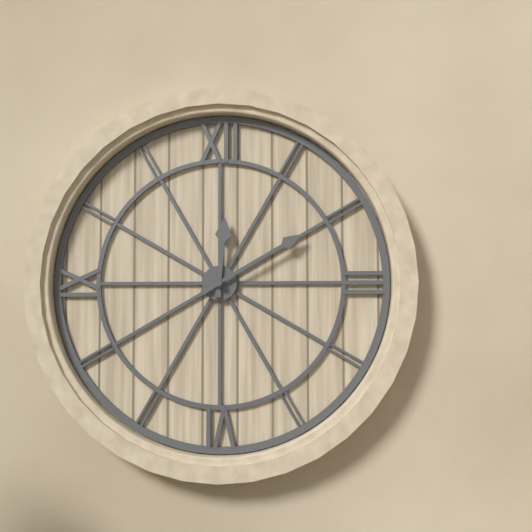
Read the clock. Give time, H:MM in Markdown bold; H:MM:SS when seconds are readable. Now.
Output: **12:10**
